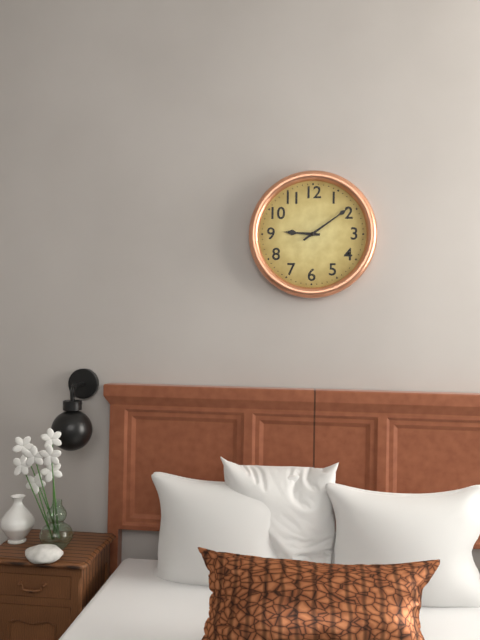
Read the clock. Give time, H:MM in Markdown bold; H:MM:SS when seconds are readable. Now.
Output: **9:09**
